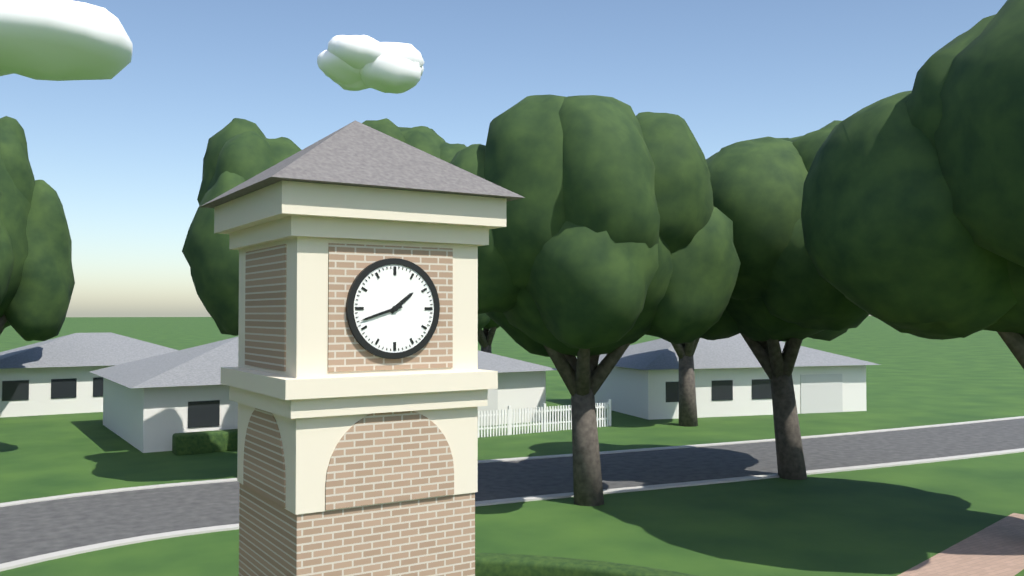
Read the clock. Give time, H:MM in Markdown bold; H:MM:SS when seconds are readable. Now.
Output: **1:42**
